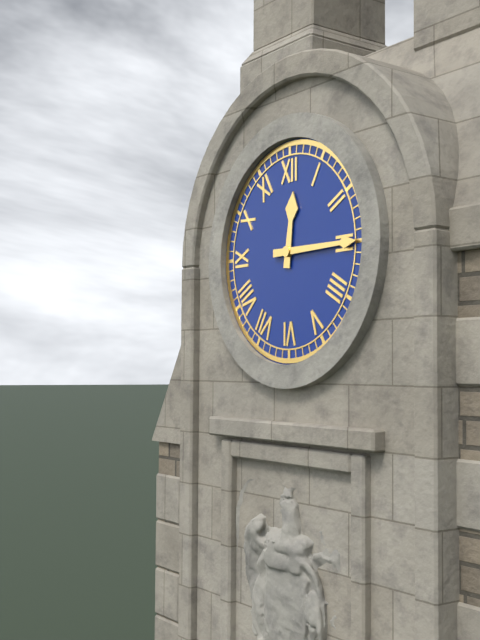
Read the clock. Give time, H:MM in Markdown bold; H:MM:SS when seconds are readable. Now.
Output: **12:15**
